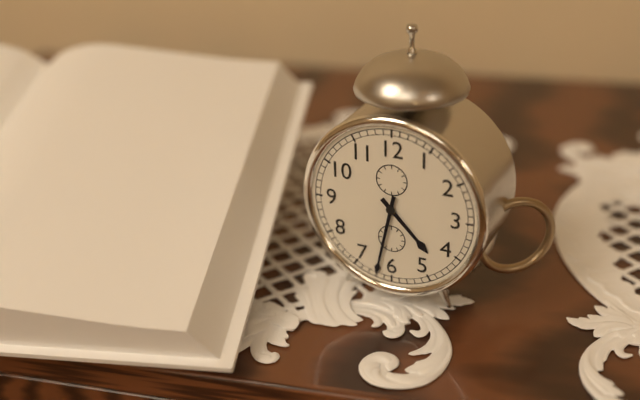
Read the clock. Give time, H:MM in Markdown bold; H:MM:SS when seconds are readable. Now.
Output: **4:32**
